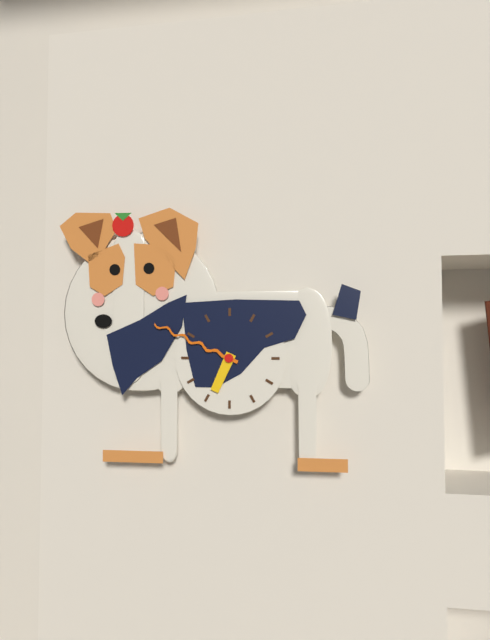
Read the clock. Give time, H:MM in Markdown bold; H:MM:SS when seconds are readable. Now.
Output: **6:49**
